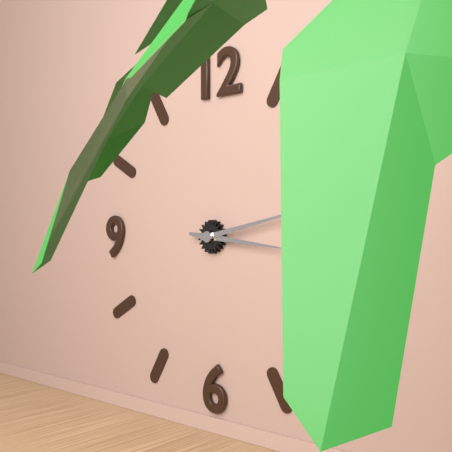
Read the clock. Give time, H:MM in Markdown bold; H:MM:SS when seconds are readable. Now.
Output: **3:13**
